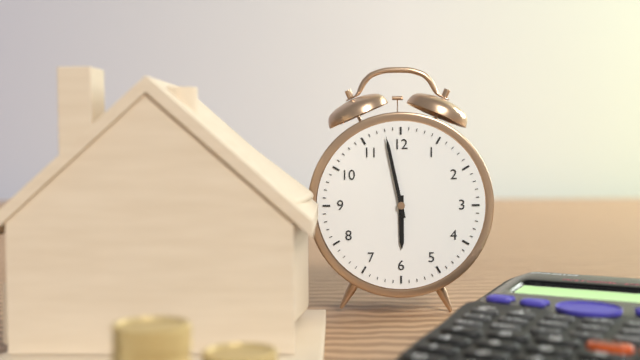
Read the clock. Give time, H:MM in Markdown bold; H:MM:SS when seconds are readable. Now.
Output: **5:58**
